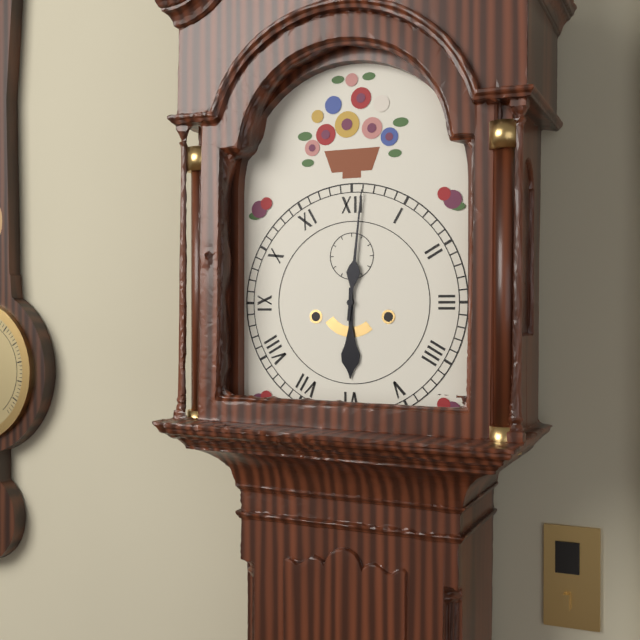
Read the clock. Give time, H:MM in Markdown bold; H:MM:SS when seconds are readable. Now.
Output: **6:01**
